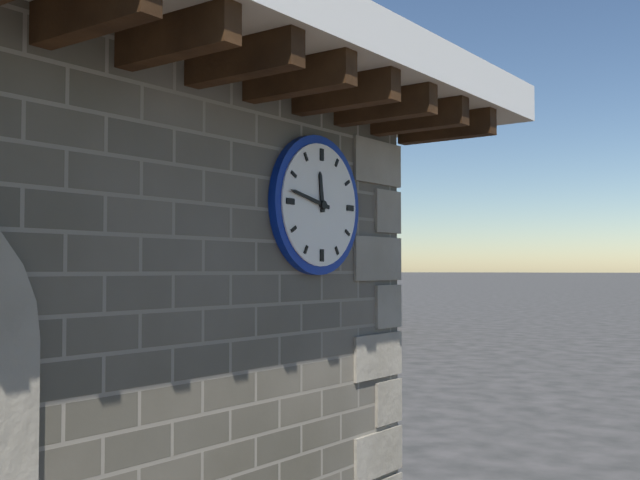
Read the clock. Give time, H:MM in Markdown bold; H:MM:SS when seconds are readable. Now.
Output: **11:47**
